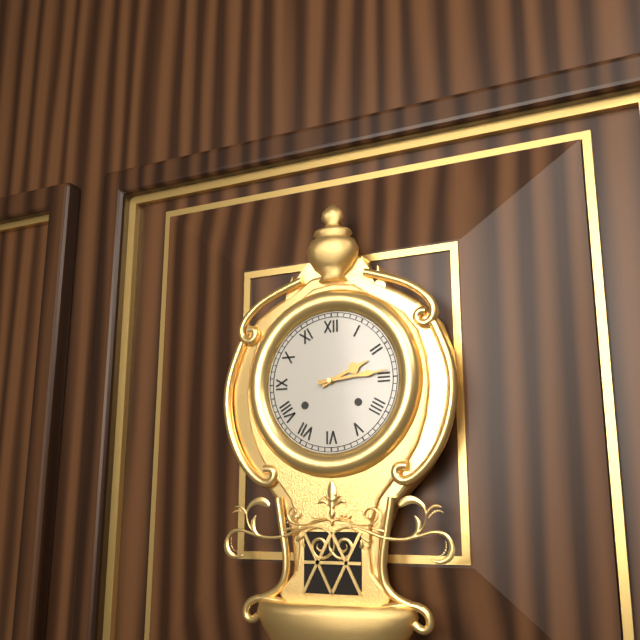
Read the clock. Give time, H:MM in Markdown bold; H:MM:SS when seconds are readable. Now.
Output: **2:14**
